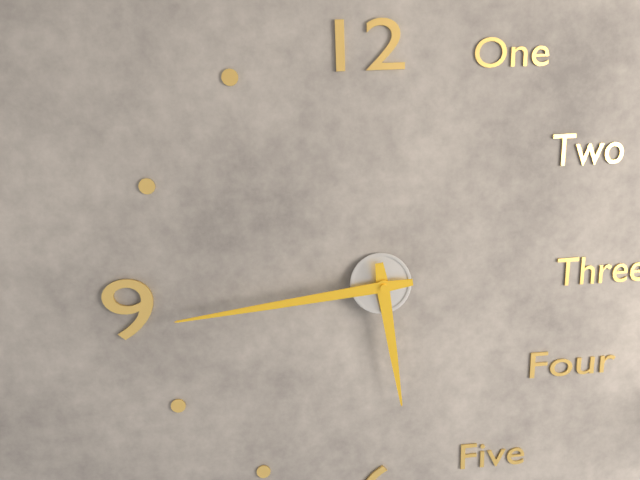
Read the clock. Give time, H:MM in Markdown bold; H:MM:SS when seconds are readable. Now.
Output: **5:44**
